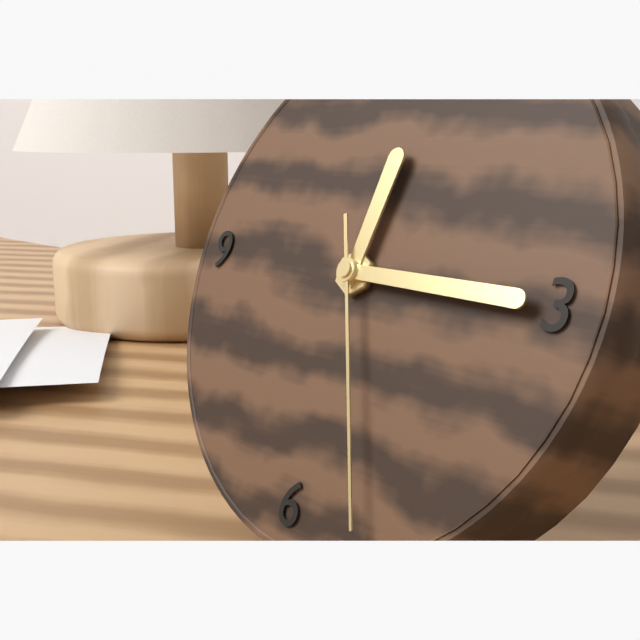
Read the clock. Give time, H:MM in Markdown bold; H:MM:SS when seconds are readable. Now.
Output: **12:15:26**
